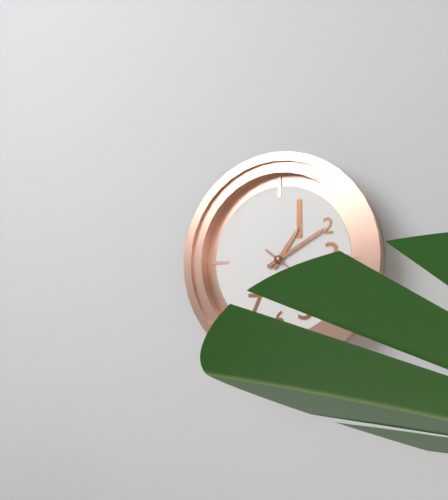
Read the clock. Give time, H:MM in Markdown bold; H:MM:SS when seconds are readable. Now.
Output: **1:10**
